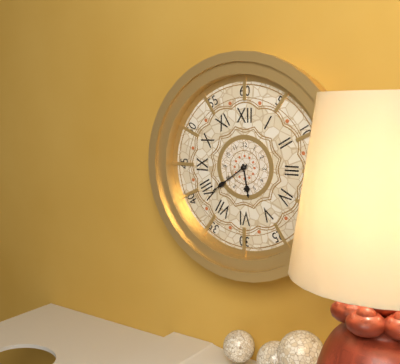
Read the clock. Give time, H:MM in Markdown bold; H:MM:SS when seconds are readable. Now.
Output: **5:39**
